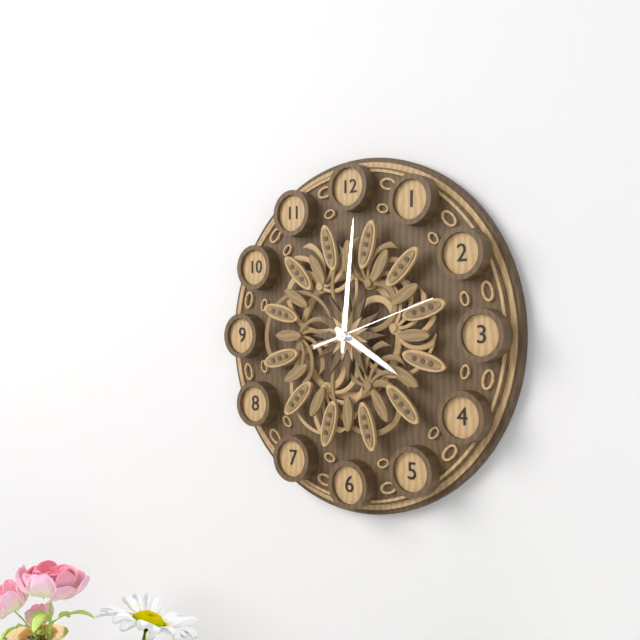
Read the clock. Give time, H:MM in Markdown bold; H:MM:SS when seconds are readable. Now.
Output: **4:01:12**
